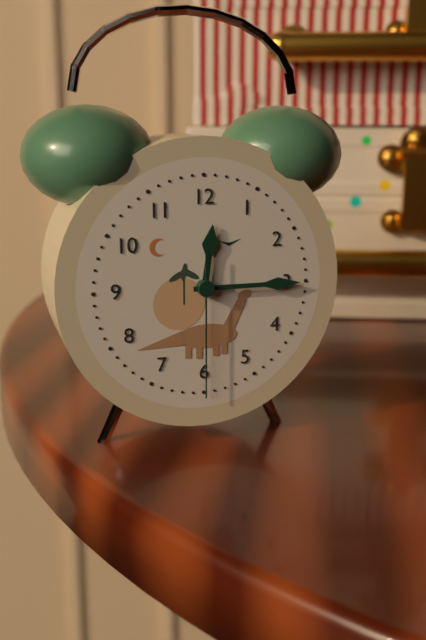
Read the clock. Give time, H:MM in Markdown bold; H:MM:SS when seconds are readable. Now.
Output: **12:15:30**
